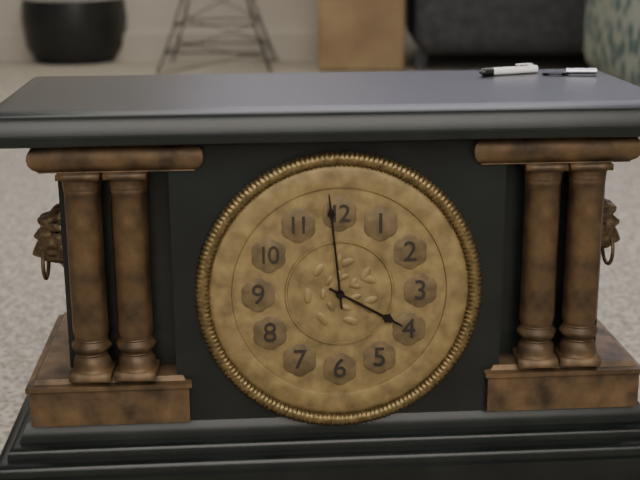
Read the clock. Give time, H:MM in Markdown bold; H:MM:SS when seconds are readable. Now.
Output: **3:59**
